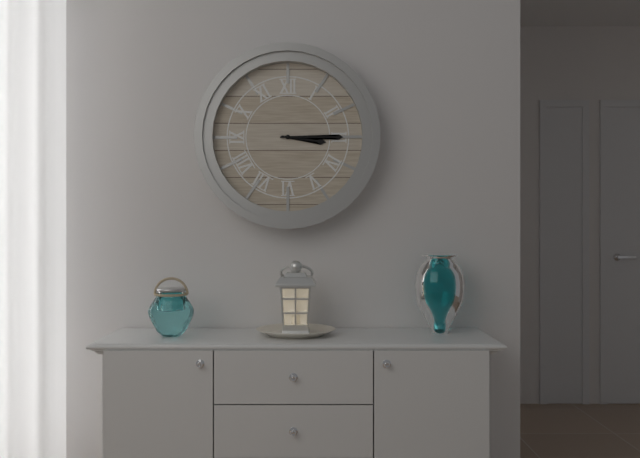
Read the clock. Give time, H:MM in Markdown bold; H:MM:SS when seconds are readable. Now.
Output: **3:15**
